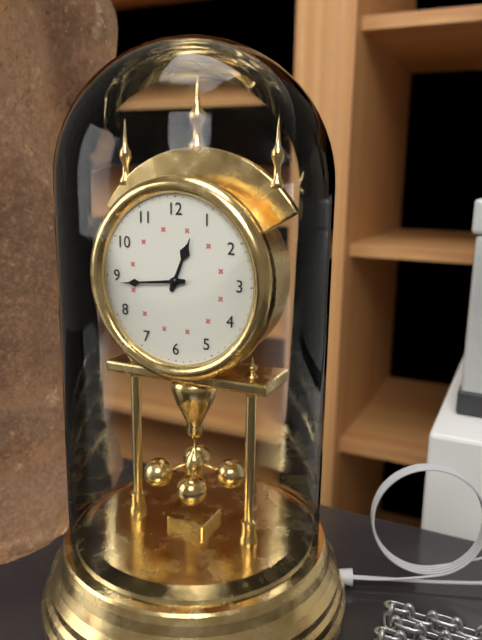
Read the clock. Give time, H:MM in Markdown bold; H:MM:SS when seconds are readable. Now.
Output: **12:44**
